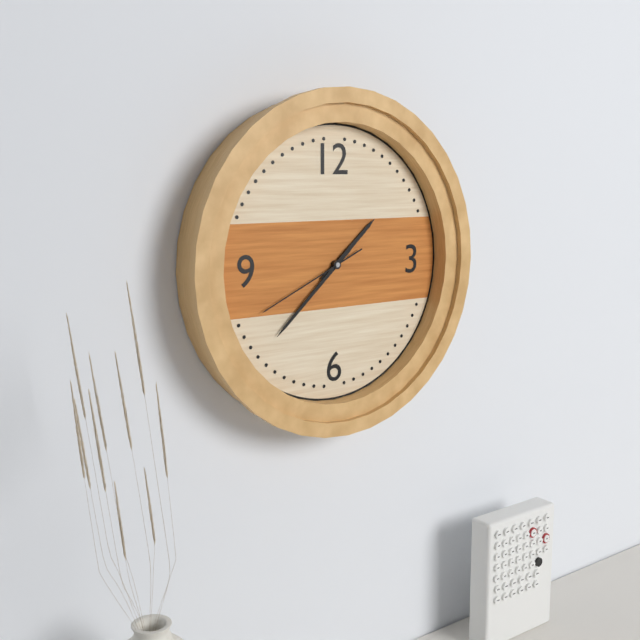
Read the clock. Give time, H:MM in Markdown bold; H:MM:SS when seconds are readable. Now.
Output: **1:38:41**
